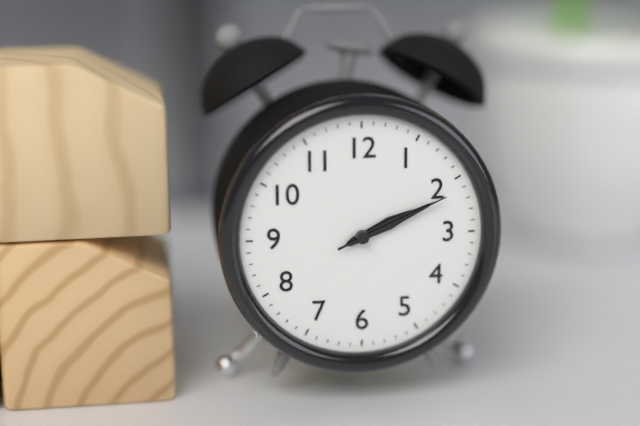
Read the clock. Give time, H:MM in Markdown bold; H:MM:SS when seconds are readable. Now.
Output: **2:11:11**
